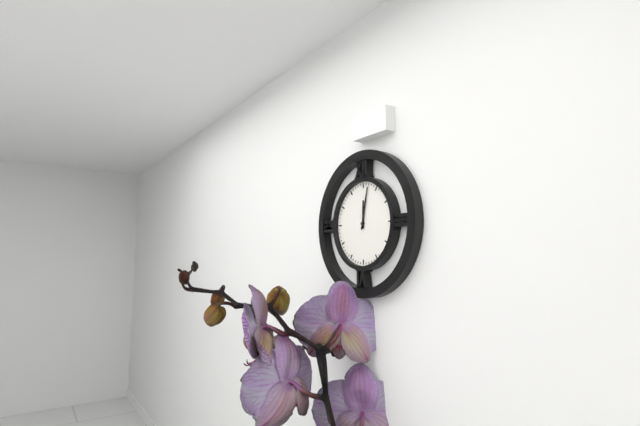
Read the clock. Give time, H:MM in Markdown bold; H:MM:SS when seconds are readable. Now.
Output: **12:02**
